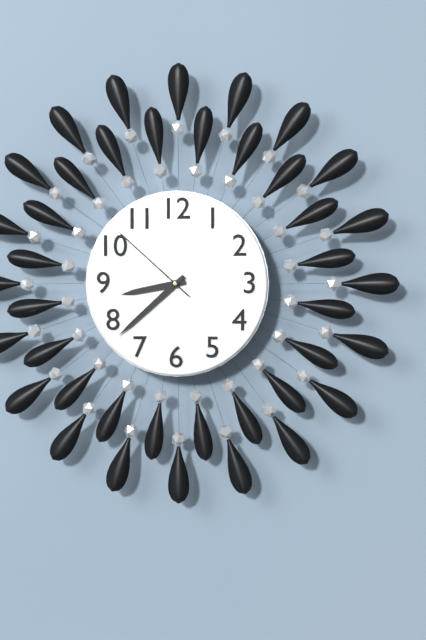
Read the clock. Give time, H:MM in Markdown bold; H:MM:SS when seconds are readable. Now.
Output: **8:38:52**
